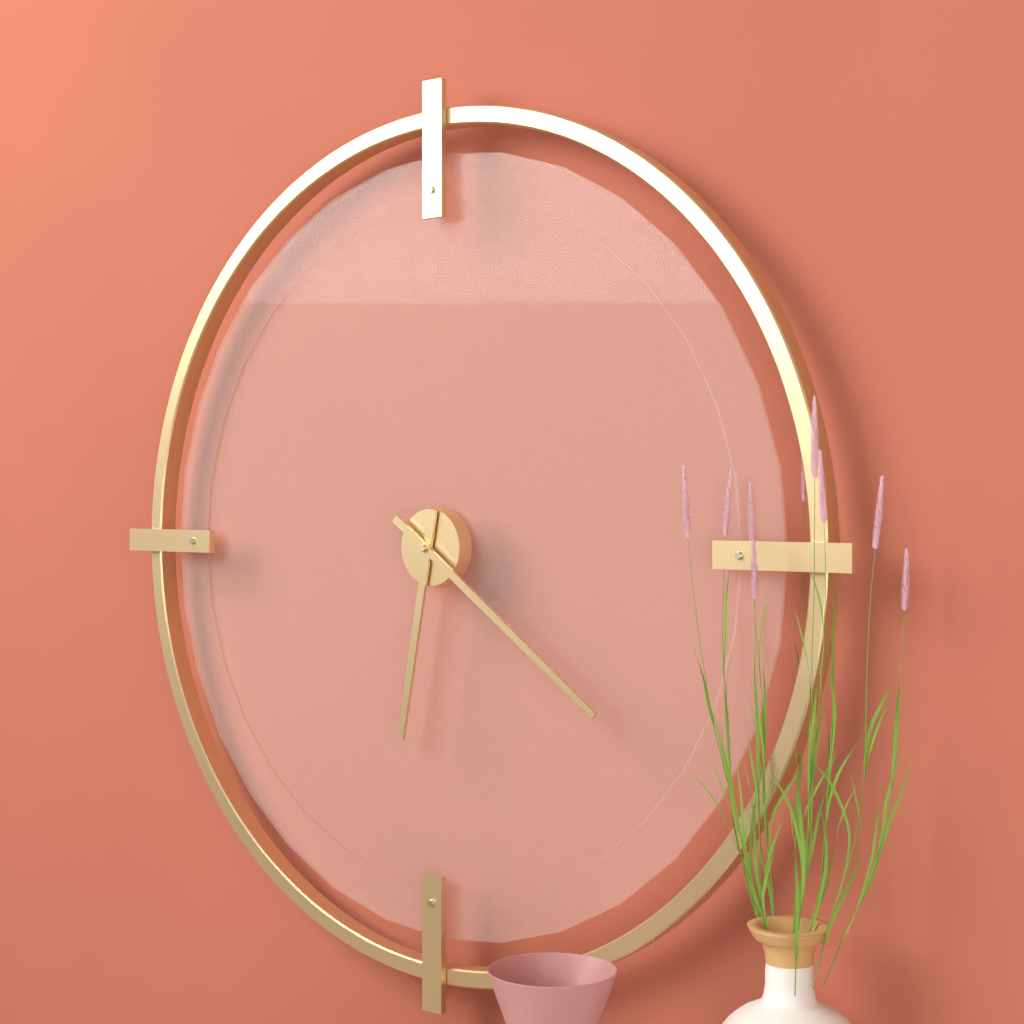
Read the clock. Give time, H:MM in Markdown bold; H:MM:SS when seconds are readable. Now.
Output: **6:21**
